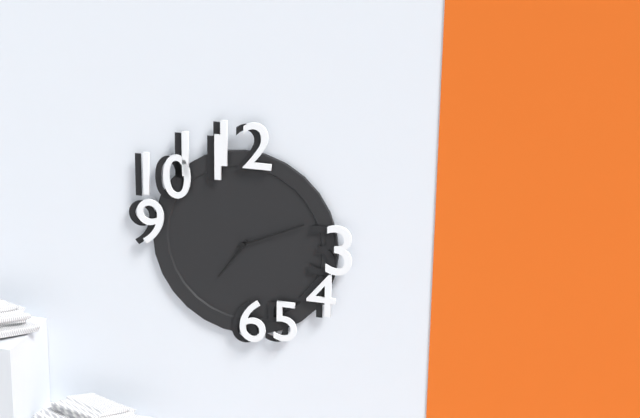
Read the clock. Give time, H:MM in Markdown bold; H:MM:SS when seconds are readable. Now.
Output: **7:11**
